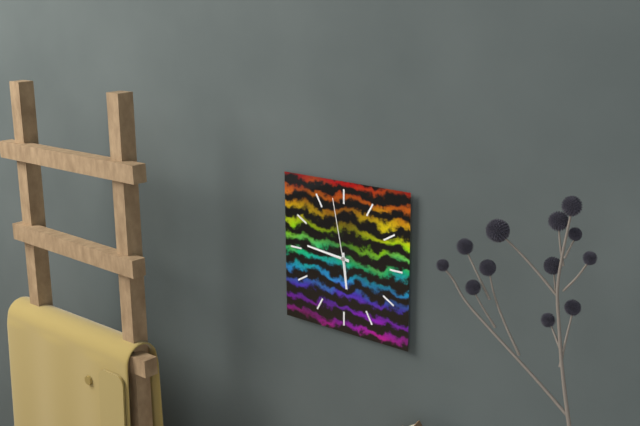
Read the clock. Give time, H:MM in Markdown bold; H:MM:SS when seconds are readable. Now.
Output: **5:46:58**
